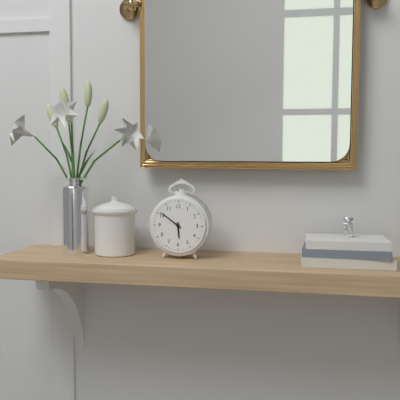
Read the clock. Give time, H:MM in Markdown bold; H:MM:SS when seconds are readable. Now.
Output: **5:51**
